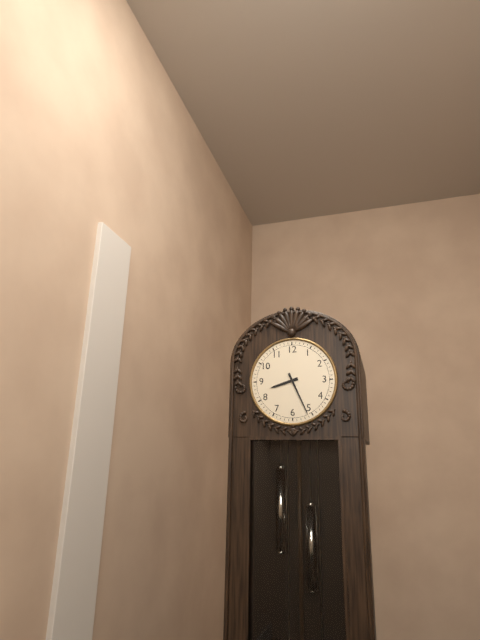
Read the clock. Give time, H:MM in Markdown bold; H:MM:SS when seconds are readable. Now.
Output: **8:26**
